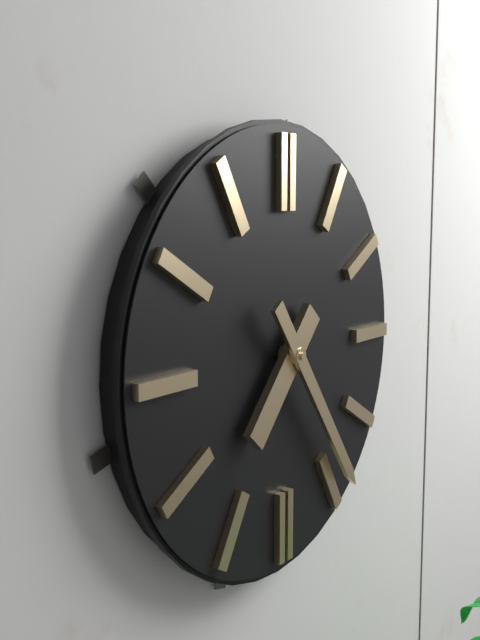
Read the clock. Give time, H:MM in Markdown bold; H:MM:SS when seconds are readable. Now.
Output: **7:24**
